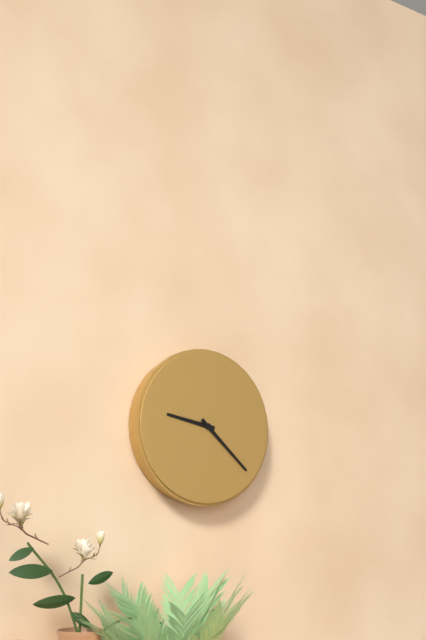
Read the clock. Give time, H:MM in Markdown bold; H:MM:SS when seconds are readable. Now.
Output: **9:22**
